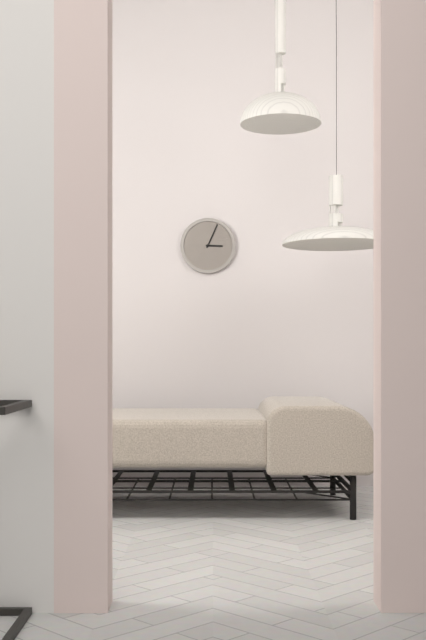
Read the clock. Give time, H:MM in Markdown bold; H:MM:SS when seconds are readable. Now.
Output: **3:04**
